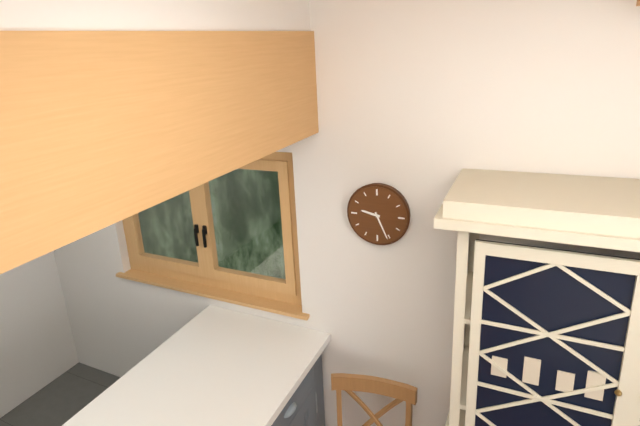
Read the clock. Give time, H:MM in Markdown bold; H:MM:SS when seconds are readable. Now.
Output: **9:26**
